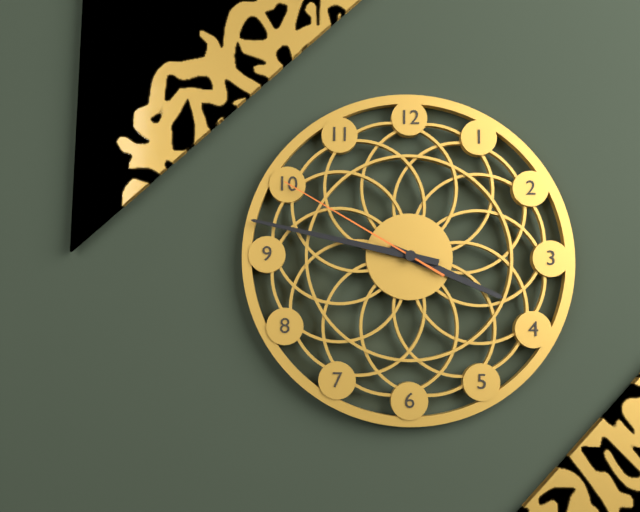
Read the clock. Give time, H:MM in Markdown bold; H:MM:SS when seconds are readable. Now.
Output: **3:47:50**
